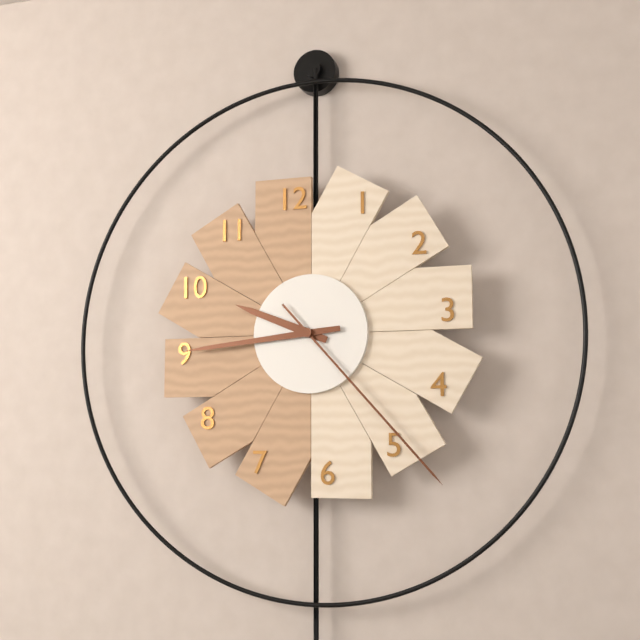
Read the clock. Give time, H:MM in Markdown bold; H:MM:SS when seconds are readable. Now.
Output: **9:44:23**
